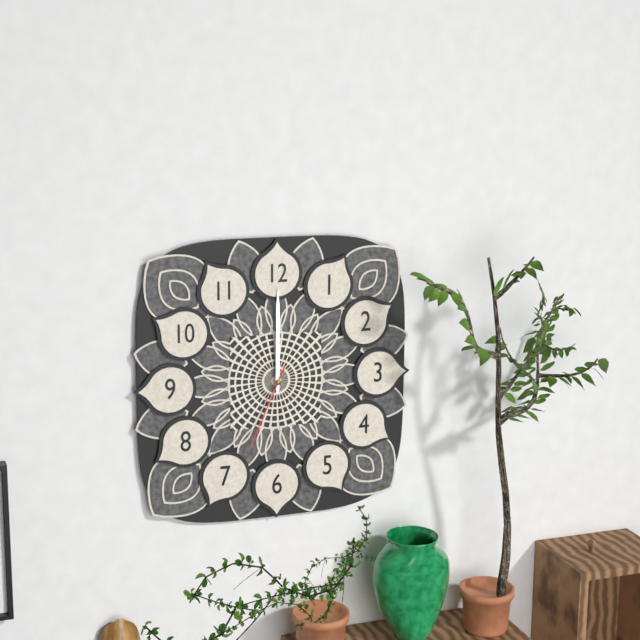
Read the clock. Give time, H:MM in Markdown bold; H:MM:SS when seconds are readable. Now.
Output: **12:00:34**
